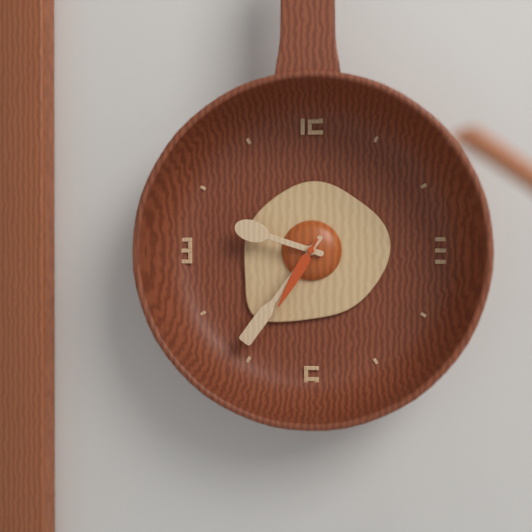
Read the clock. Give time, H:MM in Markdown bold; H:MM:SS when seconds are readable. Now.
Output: **9:36:35**
